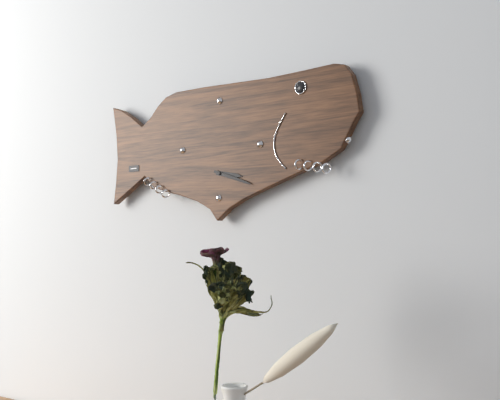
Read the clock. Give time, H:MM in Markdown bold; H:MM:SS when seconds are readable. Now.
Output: **3:18**
